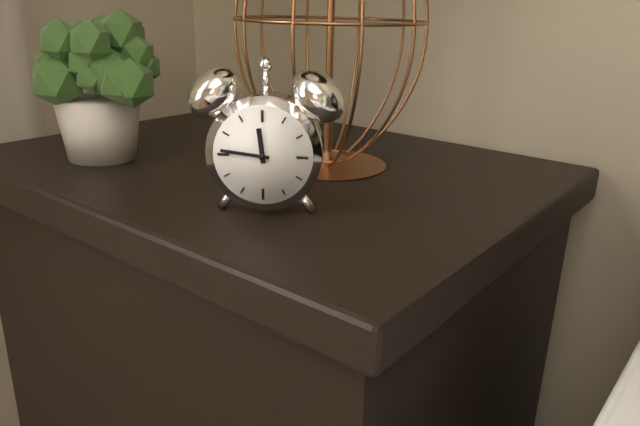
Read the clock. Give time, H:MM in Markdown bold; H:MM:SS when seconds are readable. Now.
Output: **11:46**
